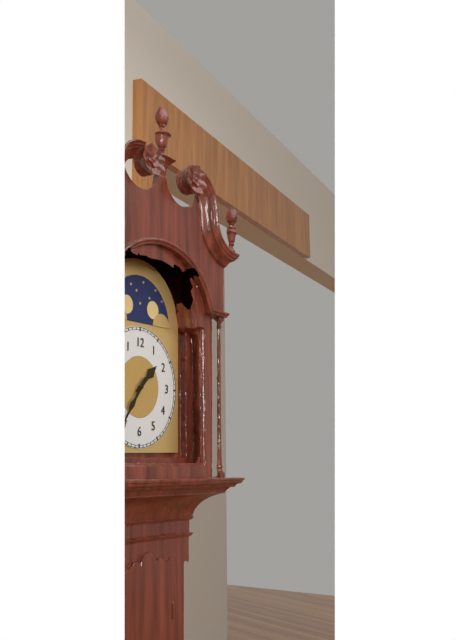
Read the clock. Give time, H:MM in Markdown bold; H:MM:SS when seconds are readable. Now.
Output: **1:36**
